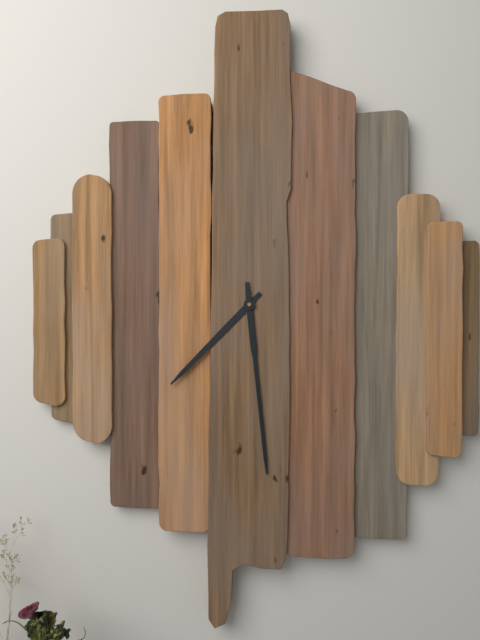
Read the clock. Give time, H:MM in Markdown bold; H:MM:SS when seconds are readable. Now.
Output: **7:29**
